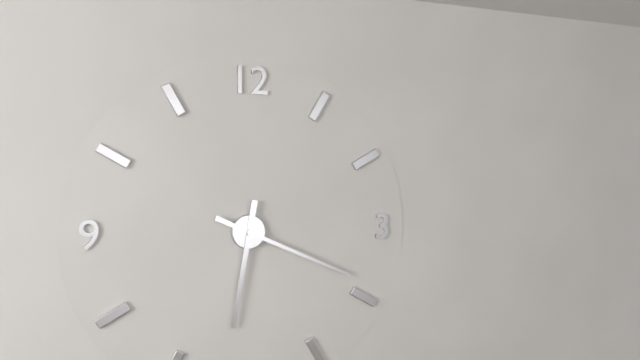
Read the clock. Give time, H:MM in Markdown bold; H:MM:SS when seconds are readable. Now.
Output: **6:19**
